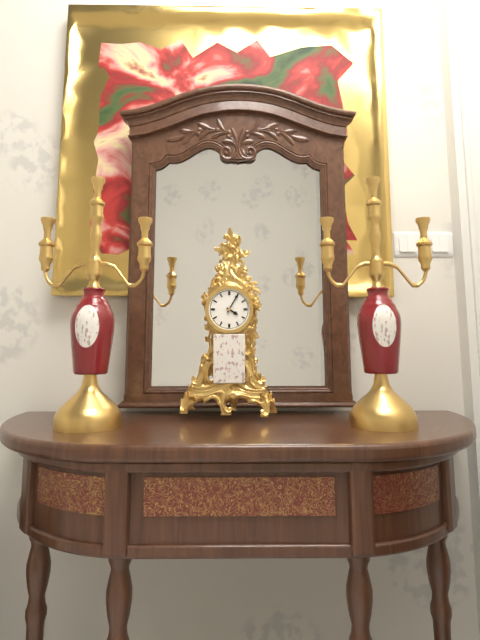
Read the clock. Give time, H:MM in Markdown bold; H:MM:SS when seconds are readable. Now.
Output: **4:05**
